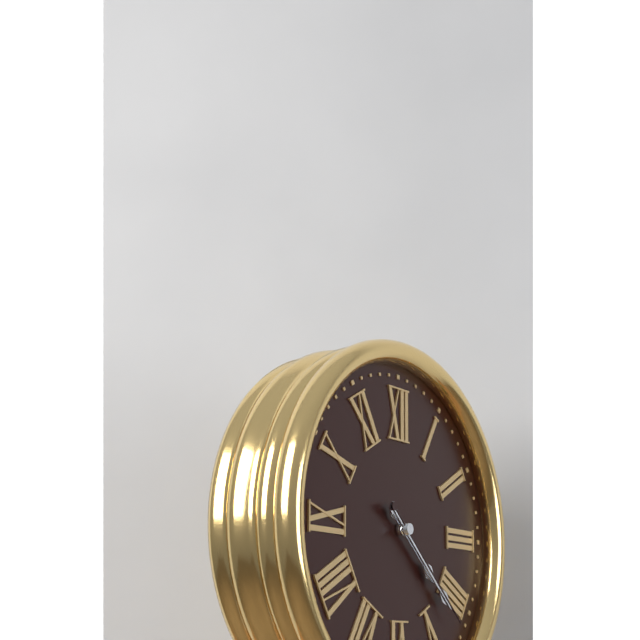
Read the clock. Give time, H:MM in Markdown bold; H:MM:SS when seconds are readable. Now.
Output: **4:22:22**
